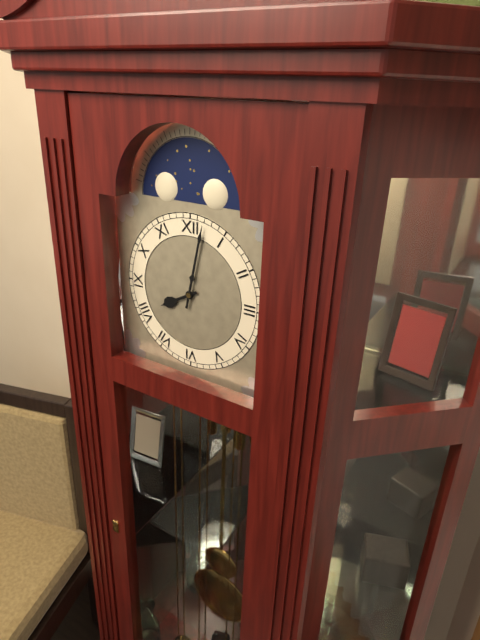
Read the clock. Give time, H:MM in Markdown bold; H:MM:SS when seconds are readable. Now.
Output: **8:02**
